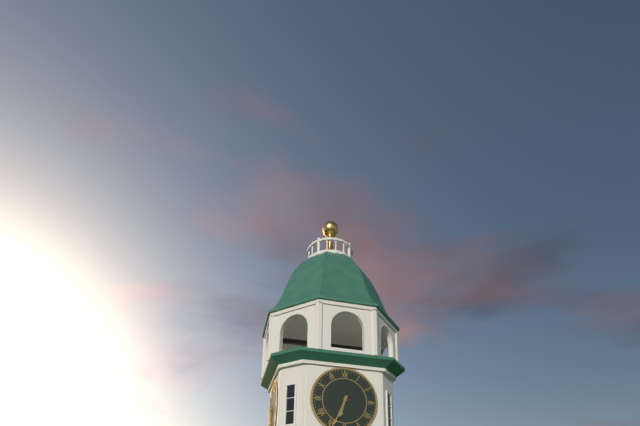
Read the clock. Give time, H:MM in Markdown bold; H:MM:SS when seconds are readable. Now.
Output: **6:34**
